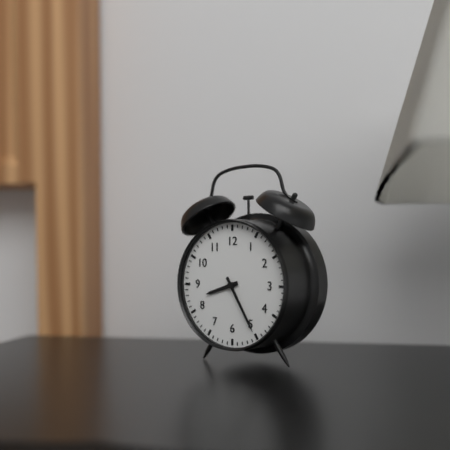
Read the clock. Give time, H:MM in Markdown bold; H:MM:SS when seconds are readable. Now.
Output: **8:25**
